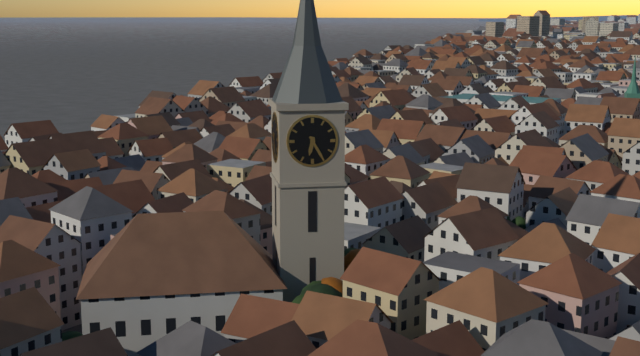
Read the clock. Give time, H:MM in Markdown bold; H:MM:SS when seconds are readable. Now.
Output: **6:25**
